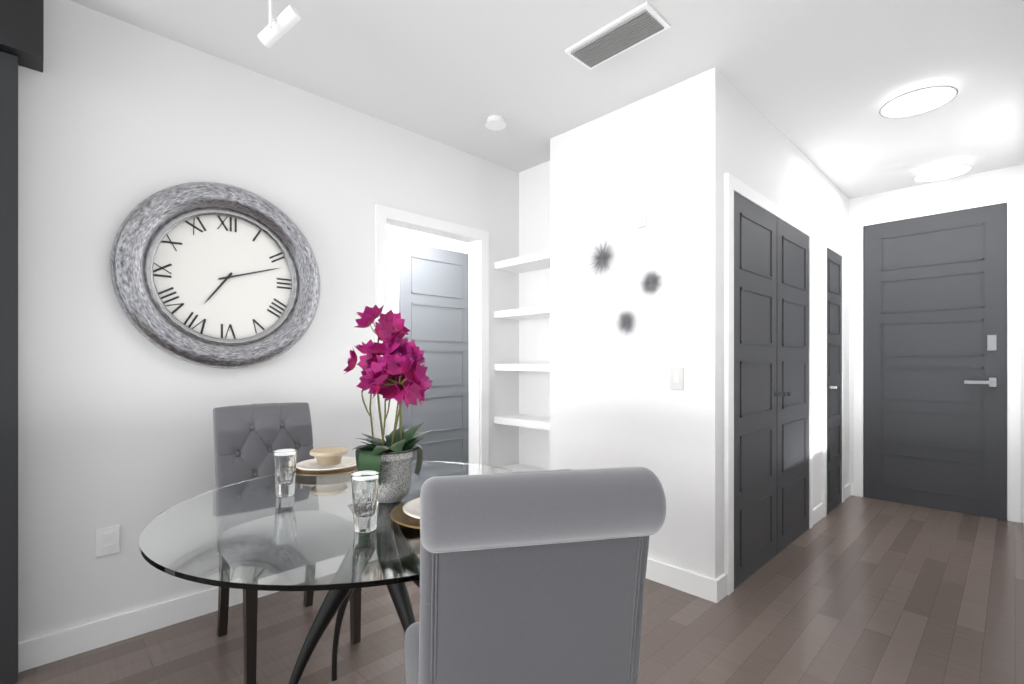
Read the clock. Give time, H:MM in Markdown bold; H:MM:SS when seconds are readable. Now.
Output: **7:12**
